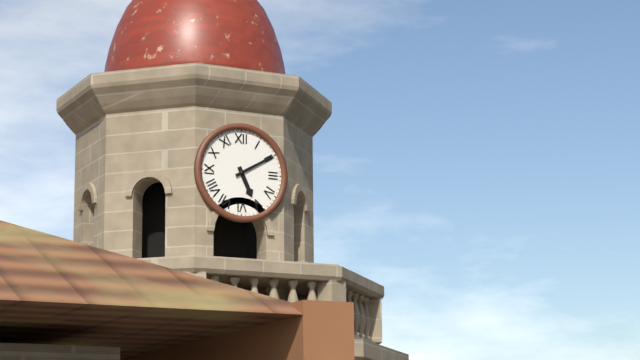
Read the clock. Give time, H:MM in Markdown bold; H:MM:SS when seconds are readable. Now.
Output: **5:10**
